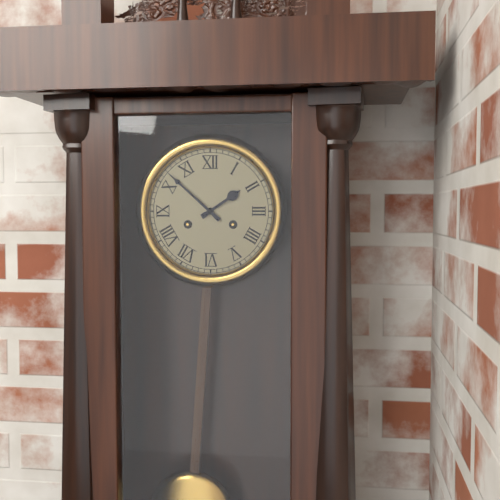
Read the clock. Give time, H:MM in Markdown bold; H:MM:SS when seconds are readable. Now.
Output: **1:52**
